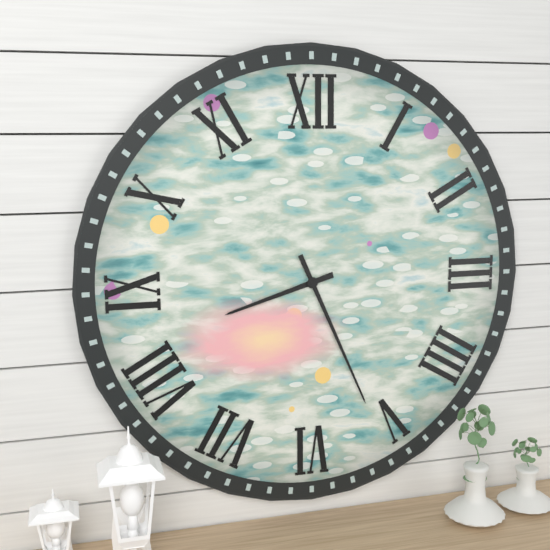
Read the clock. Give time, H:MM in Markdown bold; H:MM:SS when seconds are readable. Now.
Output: **8:26**
